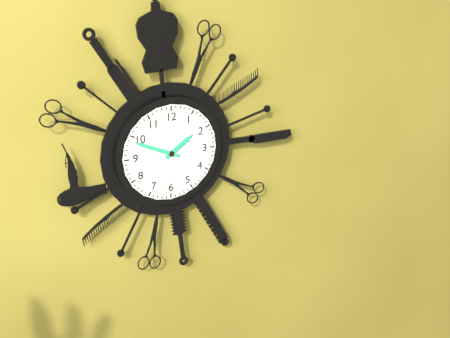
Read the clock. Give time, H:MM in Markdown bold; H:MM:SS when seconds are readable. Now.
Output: **1:49**
